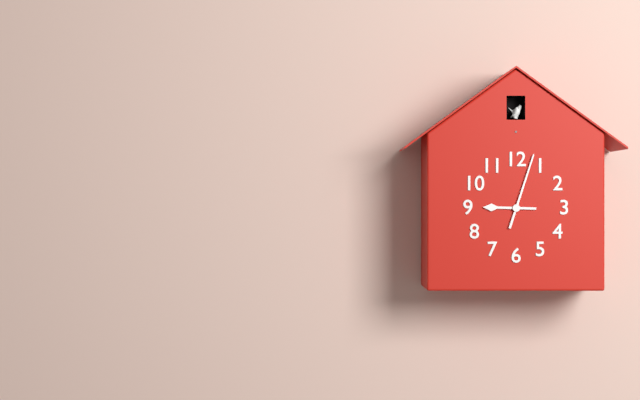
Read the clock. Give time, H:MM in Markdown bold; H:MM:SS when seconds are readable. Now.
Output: **9:03**
